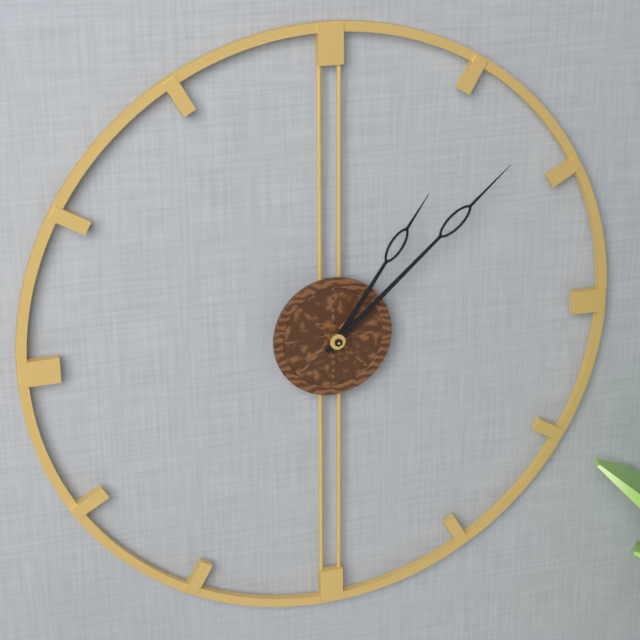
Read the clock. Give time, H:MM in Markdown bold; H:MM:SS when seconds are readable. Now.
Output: **1:08**
